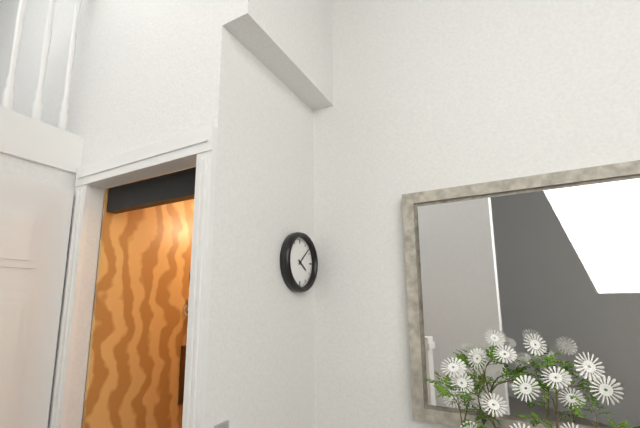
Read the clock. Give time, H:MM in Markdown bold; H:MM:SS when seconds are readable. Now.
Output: **4:08**
